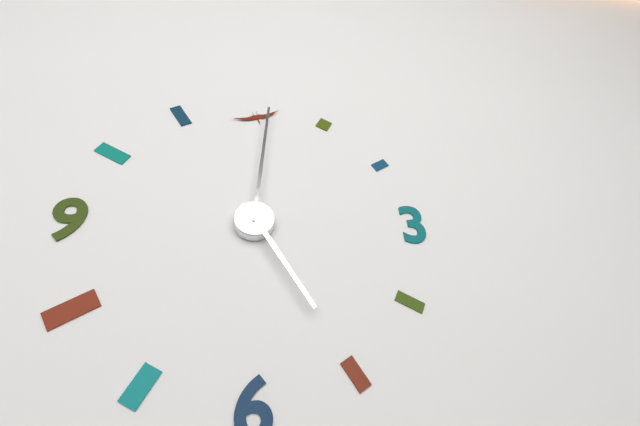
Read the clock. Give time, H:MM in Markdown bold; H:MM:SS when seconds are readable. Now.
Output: **5:01**
